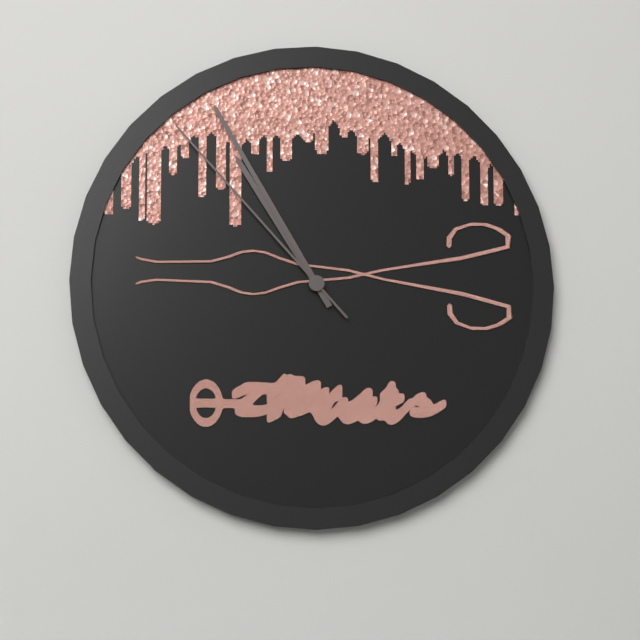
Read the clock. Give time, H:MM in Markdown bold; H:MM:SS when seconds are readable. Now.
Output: **10:55:53**
